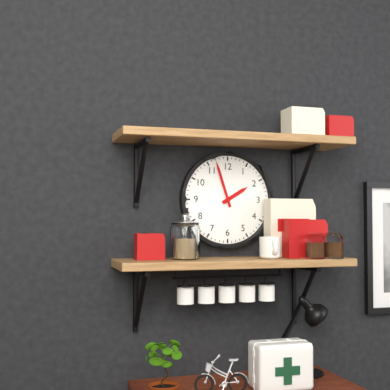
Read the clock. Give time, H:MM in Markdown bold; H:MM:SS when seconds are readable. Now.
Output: **1:57**
